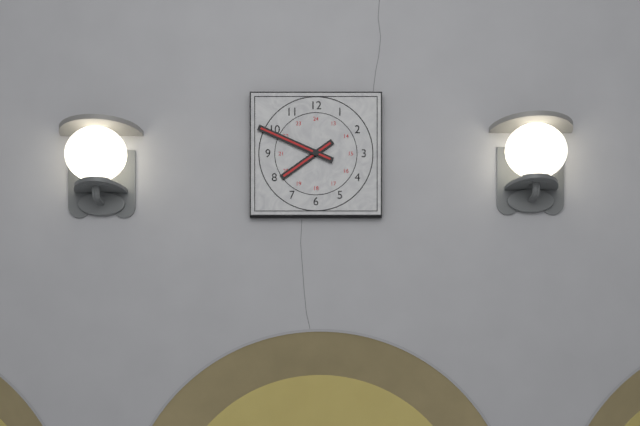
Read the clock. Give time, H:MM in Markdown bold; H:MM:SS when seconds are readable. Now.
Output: **7:49**
